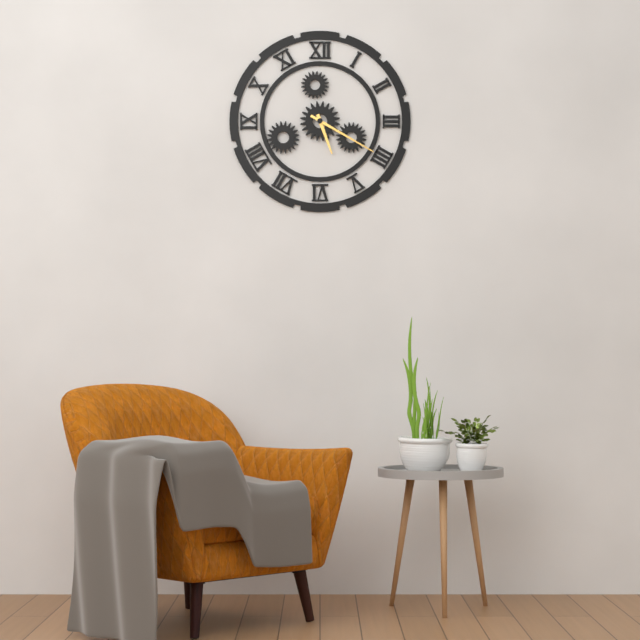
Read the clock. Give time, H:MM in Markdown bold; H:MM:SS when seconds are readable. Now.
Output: **5:20**
